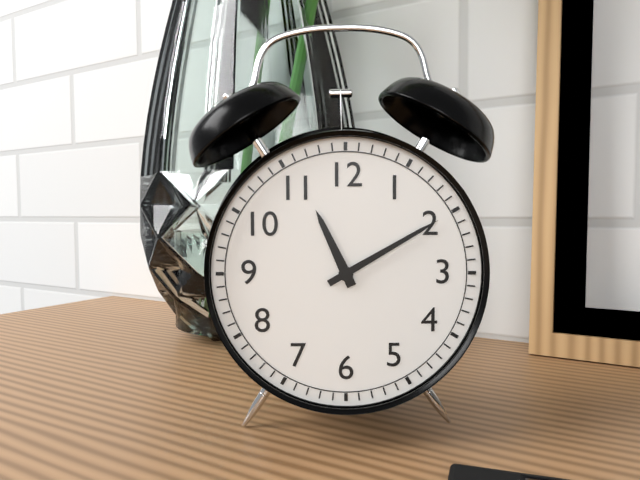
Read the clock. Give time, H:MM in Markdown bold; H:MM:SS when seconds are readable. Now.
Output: **11:10**
